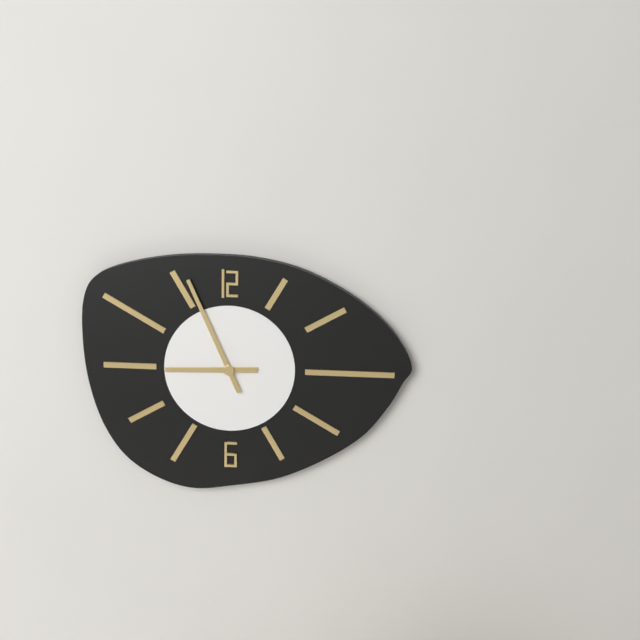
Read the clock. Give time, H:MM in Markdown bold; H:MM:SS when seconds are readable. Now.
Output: **8:56**
